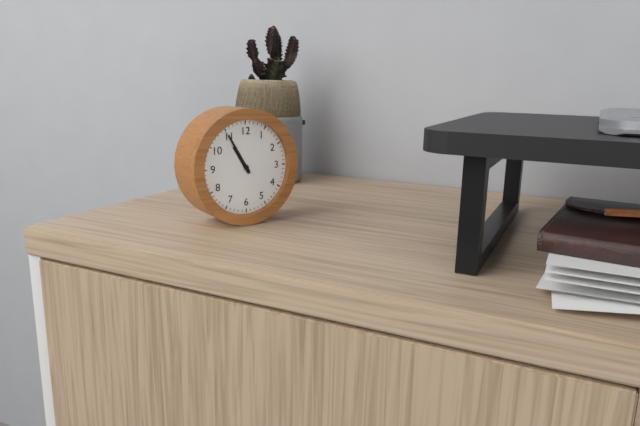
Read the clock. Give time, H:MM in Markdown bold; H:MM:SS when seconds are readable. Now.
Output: **10:55**
